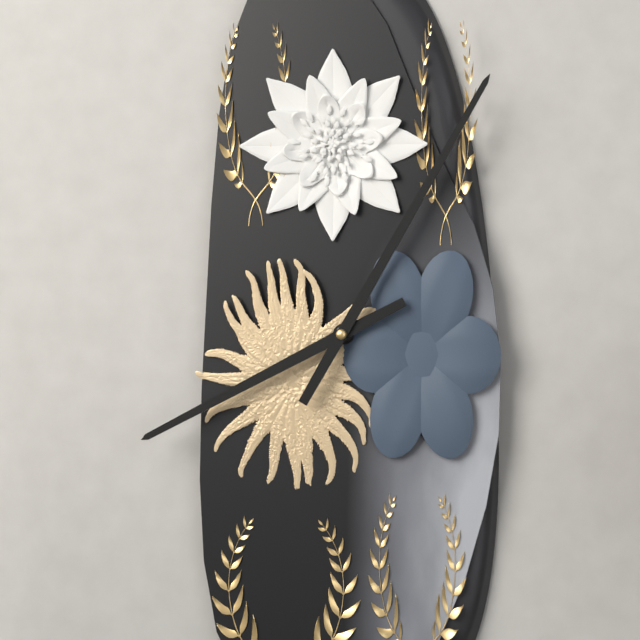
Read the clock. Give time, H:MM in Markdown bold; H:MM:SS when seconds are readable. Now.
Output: **8:05**
